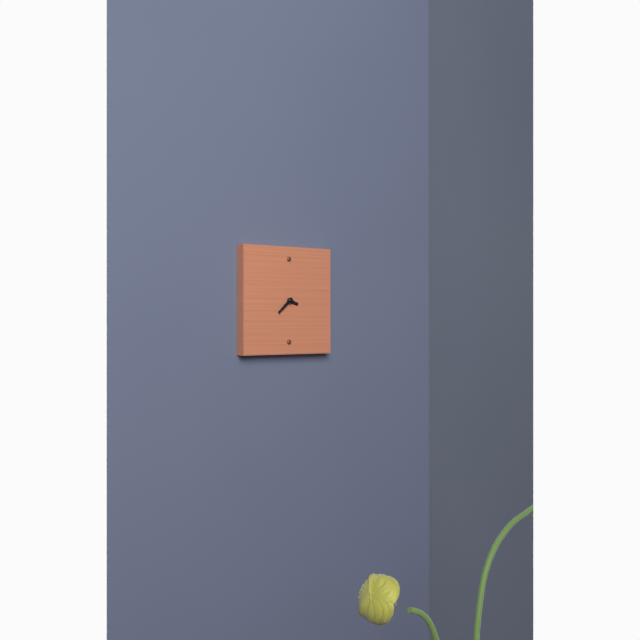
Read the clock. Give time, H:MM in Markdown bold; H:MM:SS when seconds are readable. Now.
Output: **3:38**
